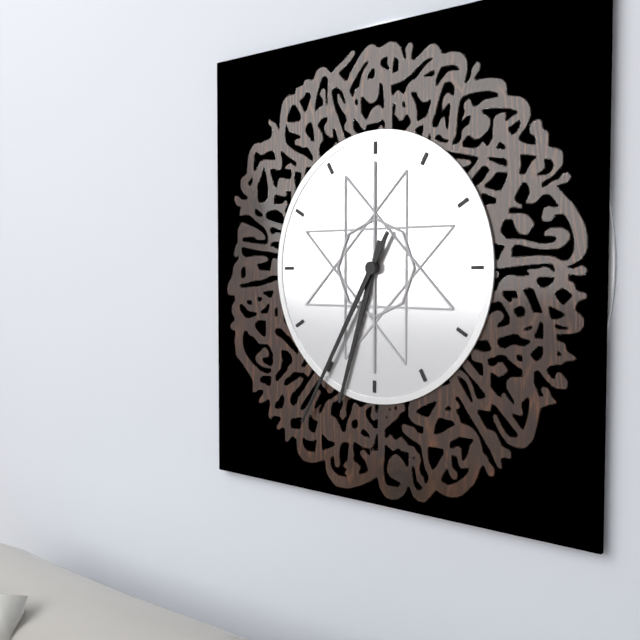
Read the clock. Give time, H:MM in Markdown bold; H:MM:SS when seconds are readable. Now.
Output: **6:35**
